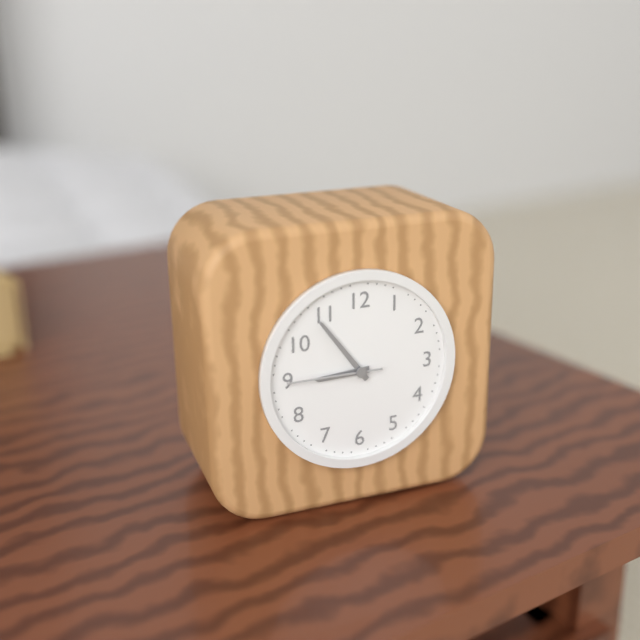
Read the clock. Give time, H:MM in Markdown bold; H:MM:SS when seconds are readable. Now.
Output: **8:54:45**
